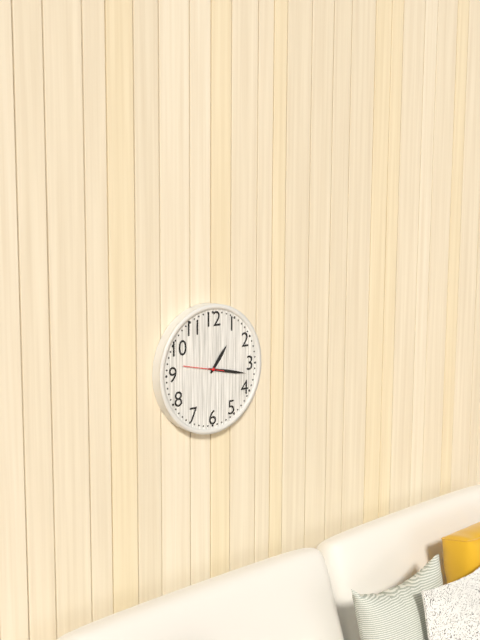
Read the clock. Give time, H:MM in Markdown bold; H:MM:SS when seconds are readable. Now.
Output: **1:17**
